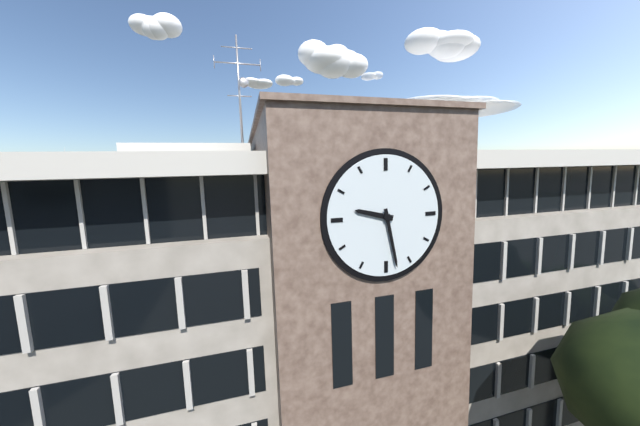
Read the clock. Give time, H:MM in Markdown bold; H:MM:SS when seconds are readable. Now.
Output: **9:28**
